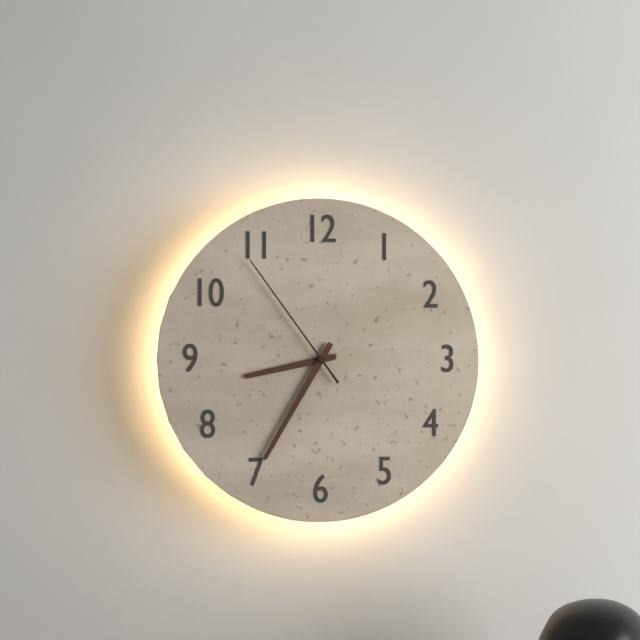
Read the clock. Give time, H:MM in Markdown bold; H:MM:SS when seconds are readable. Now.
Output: **8:35:54**
